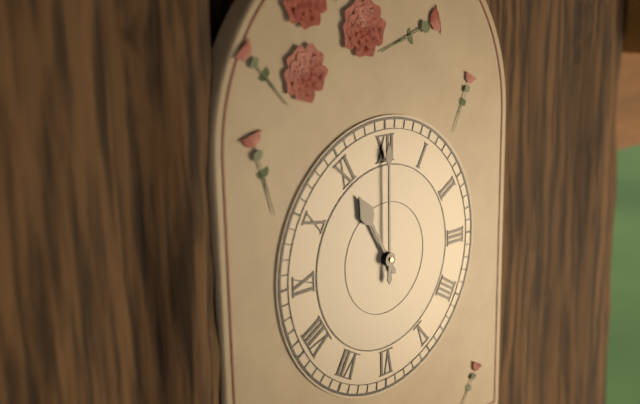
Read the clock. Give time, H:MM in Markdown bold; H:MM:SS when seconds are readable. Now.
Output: **11:00**
